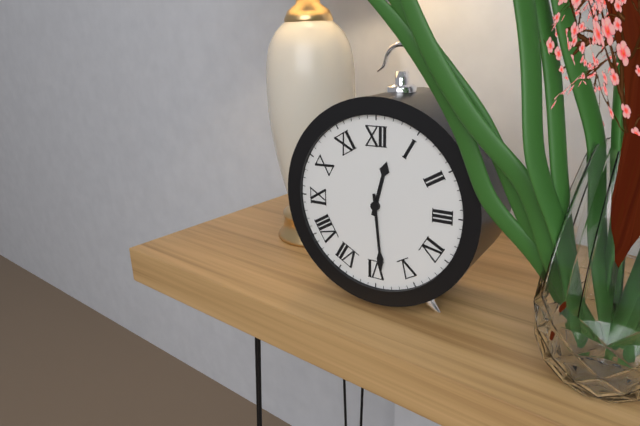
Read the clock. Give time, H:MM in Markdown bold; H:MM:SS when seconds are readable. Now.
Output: **12:29**
